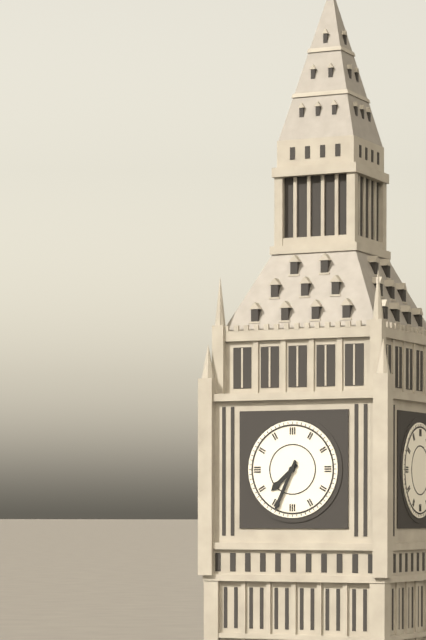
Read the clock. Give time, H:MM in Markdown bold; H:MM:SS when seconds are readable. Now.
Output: **7:34**
